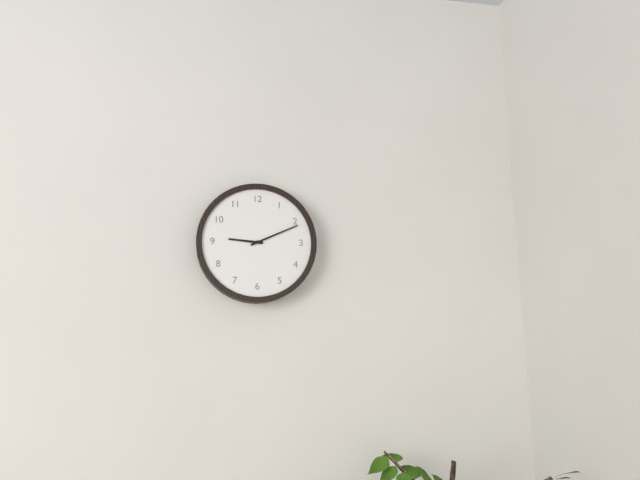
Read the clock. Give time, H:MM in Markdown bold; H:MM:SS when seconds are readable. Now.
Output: **9:11**
